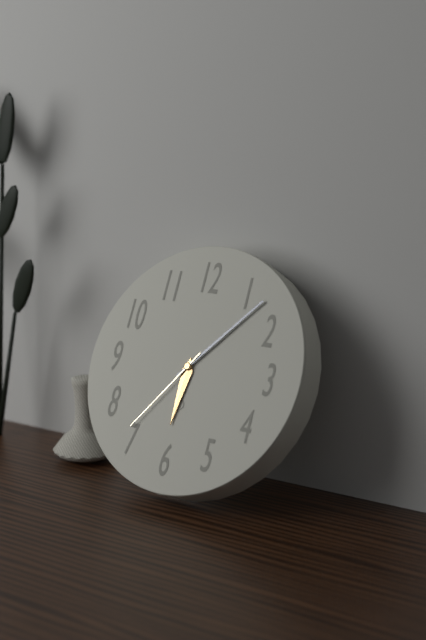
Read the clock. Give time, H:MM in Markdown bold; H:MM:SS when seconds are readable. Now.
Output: **6:07:36**
